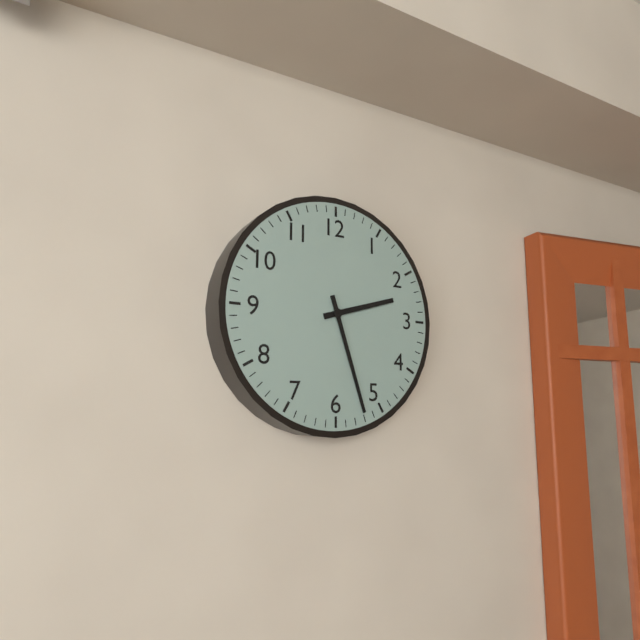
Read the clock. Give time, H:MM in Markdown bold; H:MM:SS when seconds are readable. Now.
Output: **2:27**
